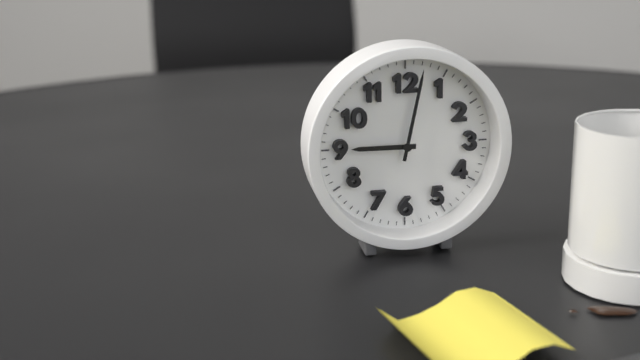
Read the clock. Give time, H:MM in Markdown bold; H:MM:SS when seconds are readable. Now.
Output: **9:02**
